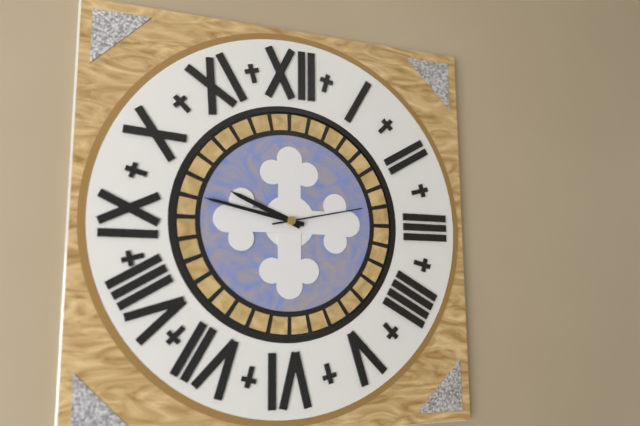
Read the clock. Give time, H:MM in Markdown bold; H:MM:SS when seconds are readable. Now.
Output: **9:47:13**
